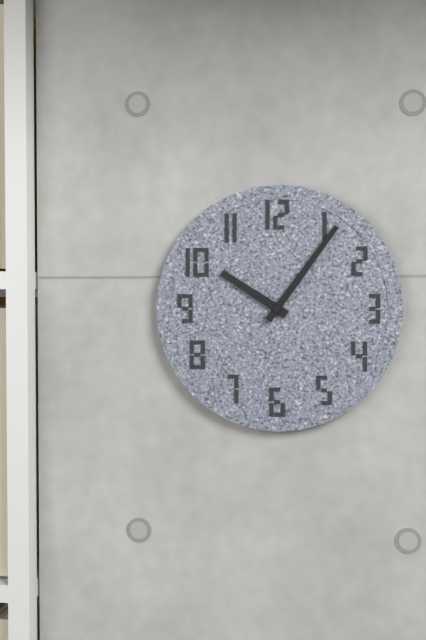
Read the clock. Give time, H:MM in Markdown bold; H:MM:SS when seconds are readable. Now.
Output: **10:06**
